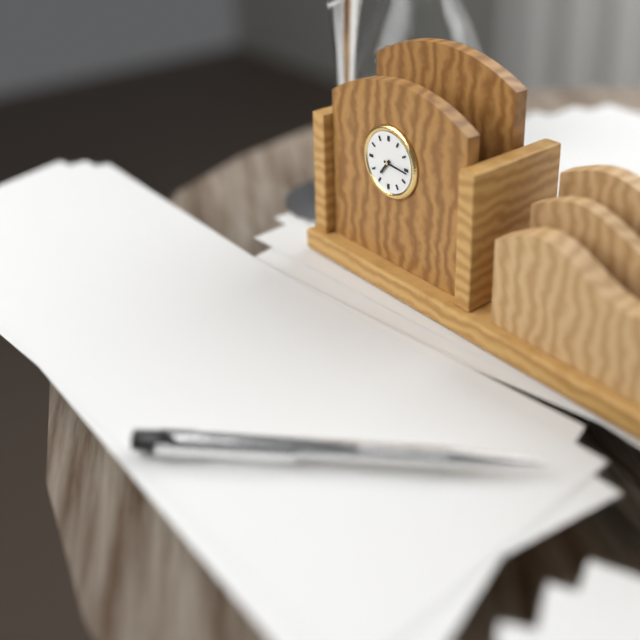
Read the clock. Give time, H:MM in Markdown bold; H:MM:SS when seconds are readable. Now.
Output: **7:16**
